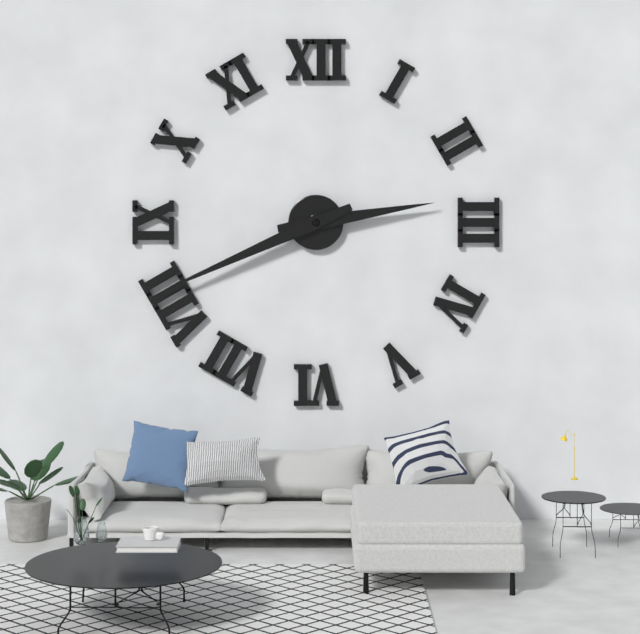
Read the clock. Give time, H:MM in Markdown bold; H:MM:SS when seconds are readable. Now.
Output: **2:41**
